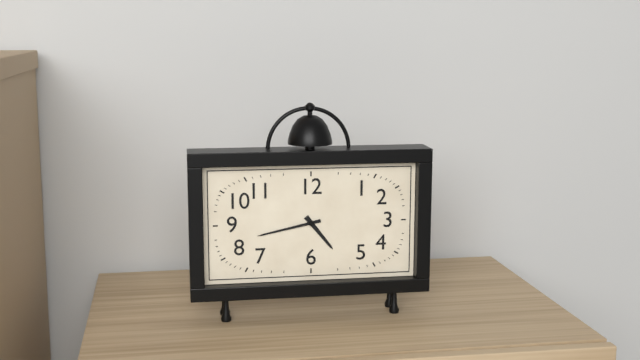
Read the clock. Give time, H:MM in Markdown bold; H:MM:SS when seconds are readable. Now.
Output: **4:43**
